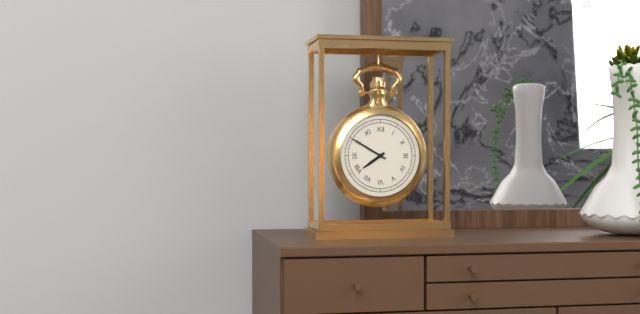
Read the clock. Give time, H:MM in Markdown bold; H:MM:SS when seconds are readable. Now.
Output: **7:50**
